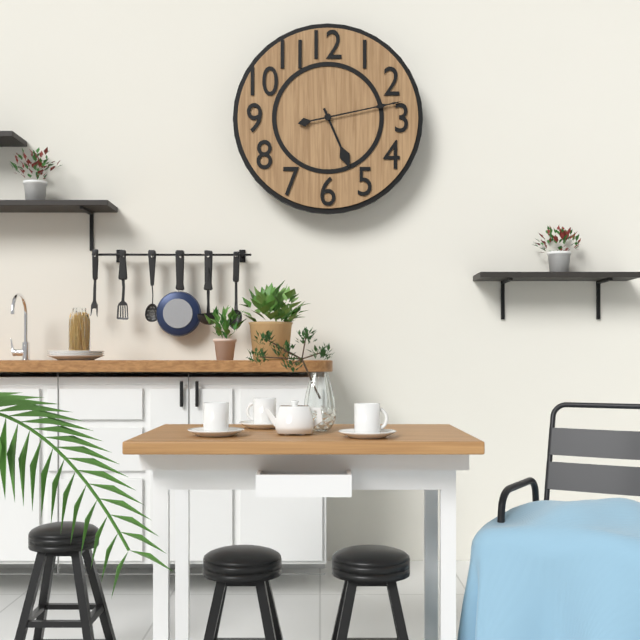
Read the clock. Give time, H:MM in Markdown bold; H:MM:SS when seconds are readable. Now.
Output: **5:13**
